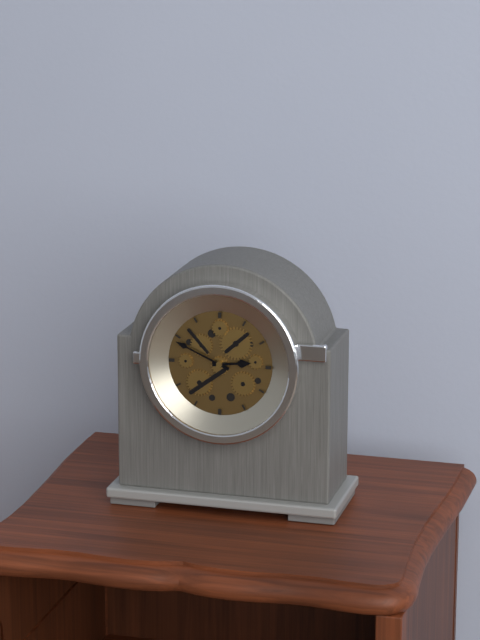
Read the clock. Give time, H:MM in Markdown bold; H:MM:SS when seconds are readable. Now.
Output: **2:49**
